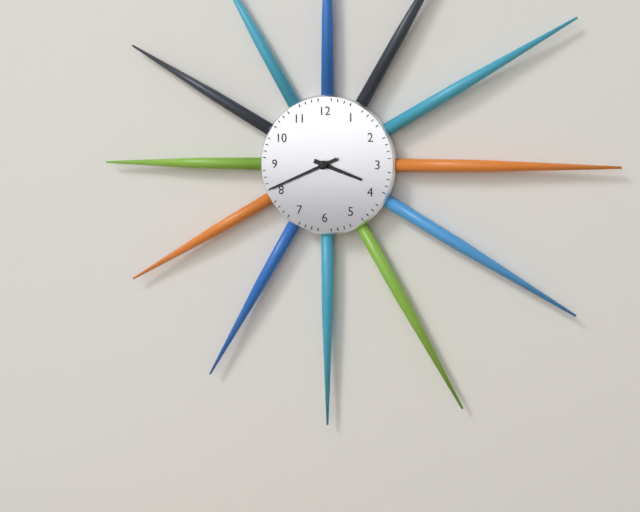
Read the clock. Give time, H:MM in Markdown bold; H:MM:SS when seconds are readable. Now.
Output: **3:41**
